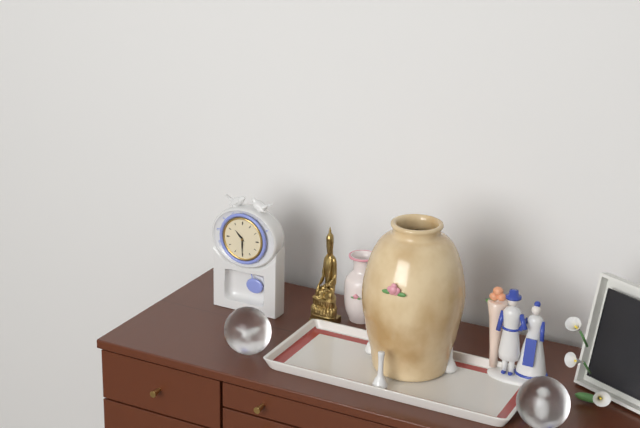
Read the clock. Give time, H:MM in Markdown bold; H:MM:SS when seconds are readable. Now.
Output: **10:30**
